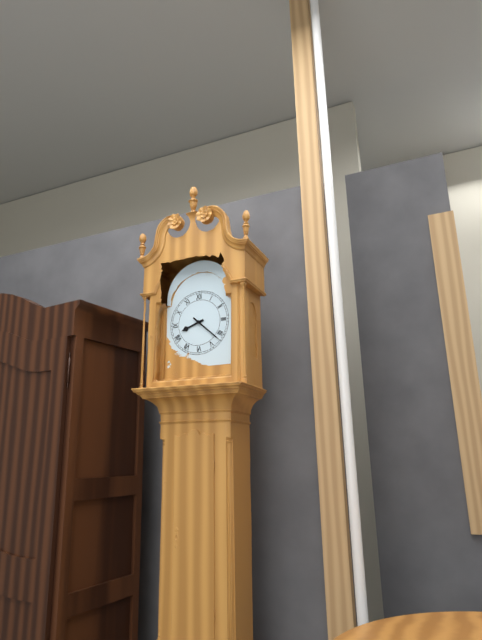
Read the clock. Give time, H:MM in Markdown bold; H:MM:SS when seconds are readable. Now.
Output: **8:22**
